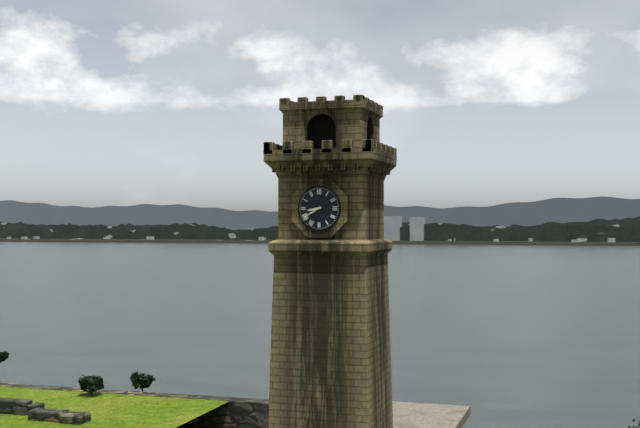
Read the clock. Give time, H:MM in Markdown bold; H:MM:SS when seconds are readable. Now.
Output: **8:40**
